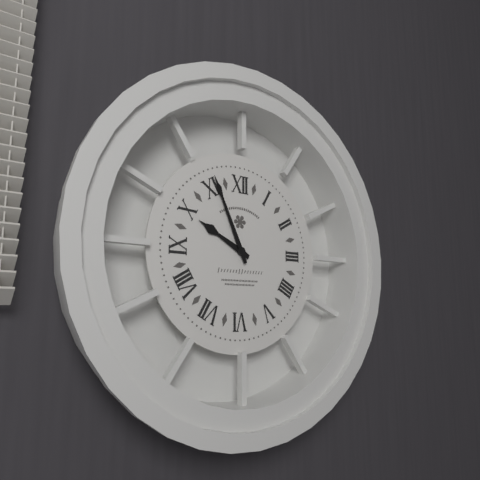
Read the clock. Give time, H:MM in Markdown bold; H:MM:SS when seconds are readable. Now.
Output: **9:56**
